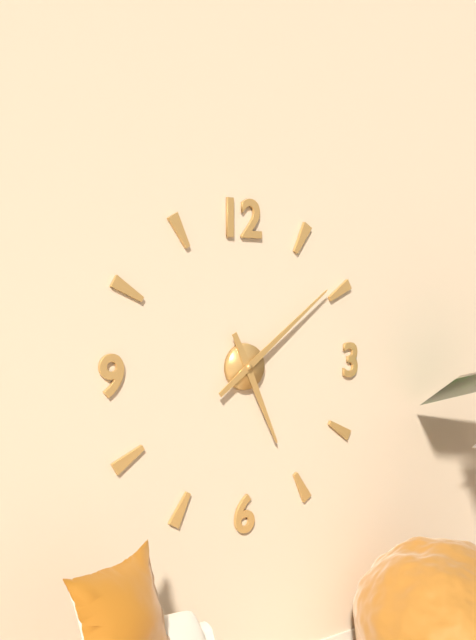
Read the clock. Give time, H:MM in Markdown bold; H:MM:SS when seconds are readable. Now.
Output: **5:09**
